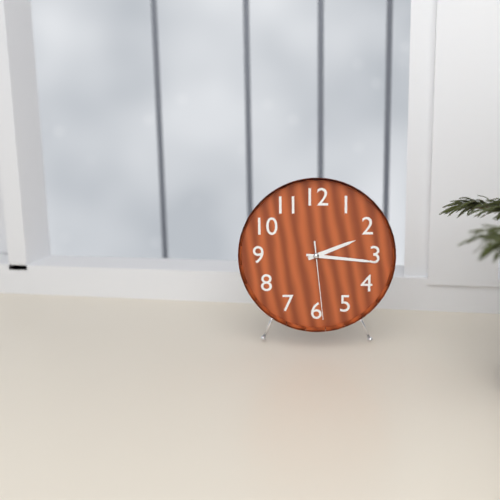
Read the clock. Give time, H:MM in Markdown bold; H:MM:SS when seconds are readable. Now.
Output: **2:16:29**
